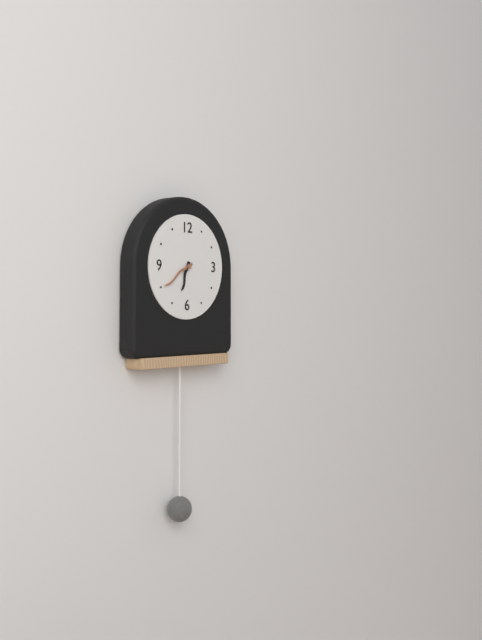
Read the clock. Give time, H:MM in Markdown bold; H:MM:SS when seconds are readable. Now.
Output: **6:40**
